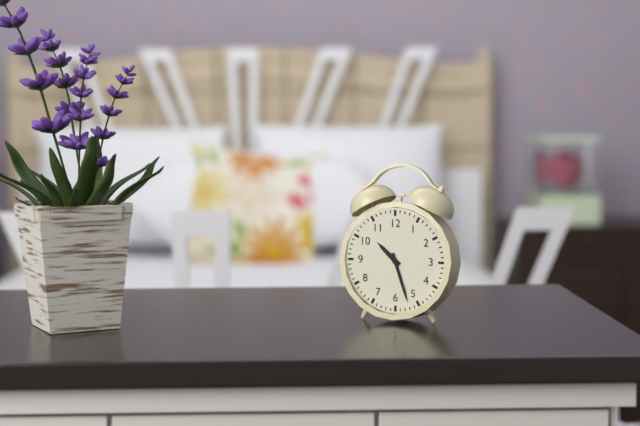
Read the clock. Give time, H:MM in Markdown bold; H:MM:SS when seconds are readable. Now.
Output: **10:27**
